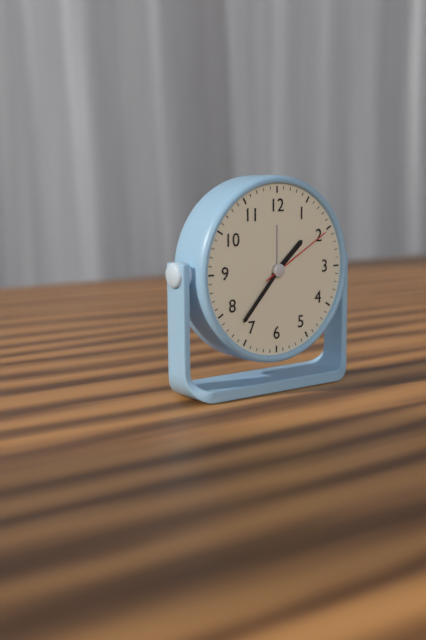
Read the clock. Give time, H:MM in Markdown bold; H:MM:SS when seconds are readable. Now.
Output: **1:37:10**
